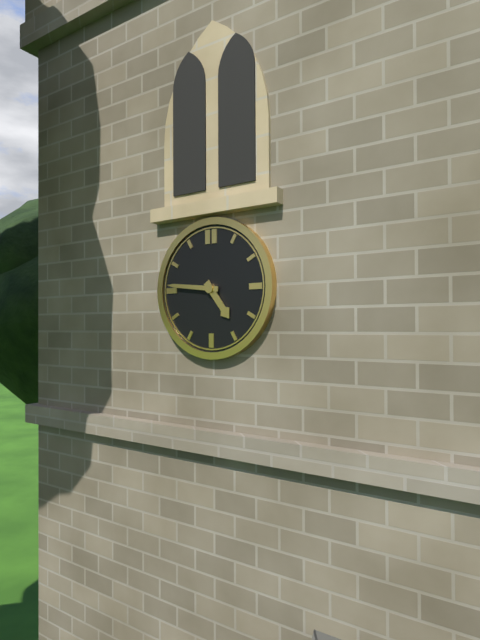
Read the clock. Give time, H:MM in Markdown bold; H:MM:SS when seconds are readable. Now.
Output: **4:46**
